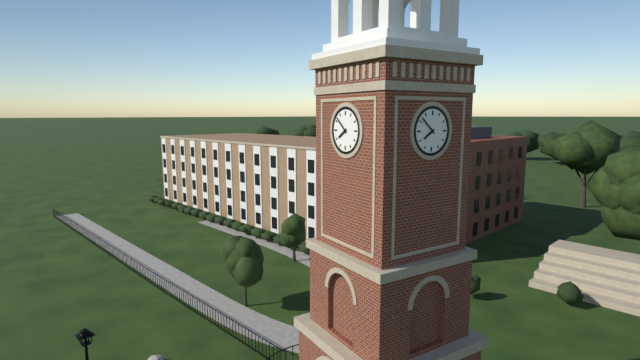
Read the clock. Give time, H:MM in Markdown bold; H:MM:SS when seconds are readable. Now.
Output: **7:52**
